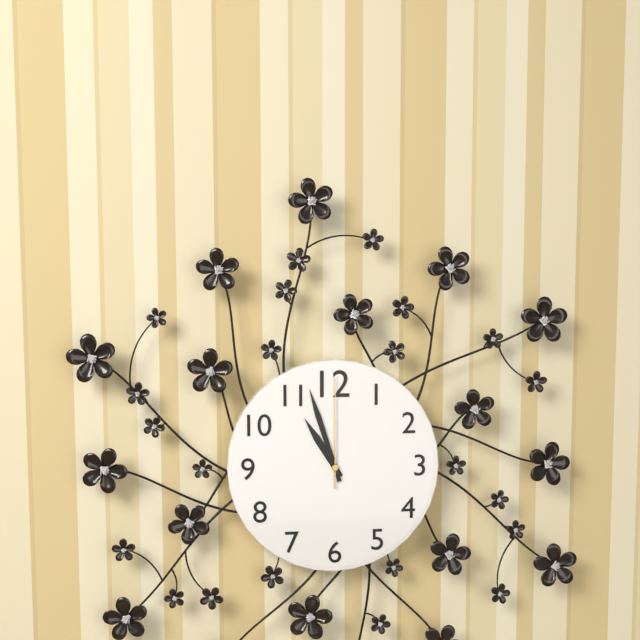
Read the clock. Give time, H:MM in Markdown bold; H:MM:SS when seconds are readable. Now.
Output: **10:57:00**
